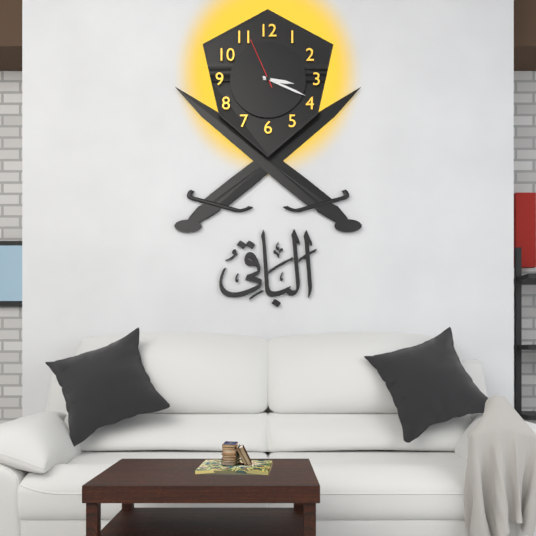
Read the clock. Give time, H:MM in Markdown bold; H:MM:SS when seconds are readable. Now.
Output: **3:19:56**
